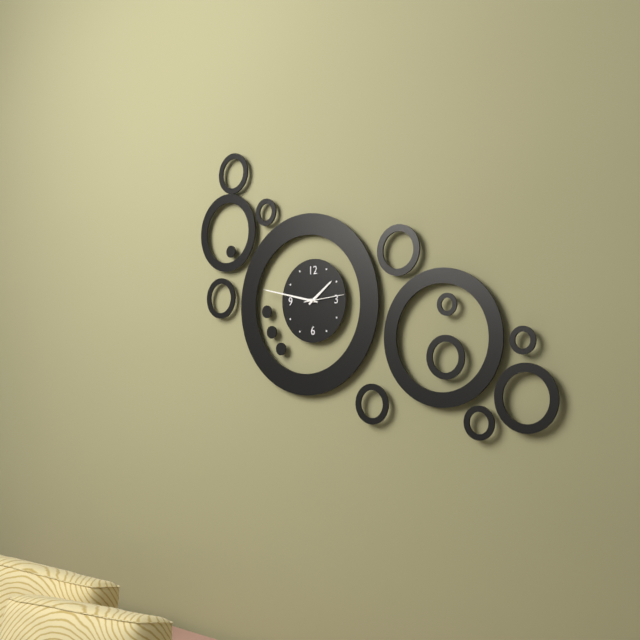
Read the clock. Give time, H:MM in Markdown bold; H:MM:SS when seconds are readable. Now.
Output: **1:47**
